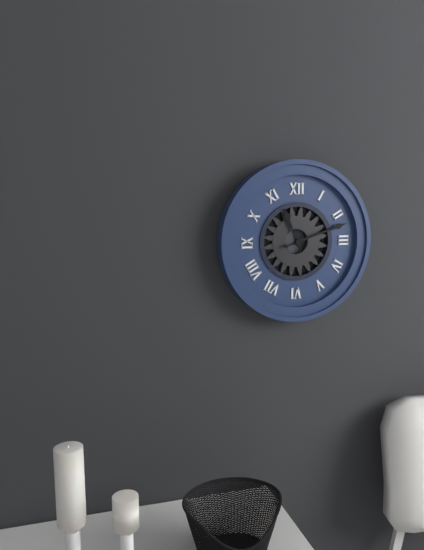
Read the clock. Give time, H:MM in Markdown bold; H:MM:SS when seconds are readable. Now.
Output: **11:12**
